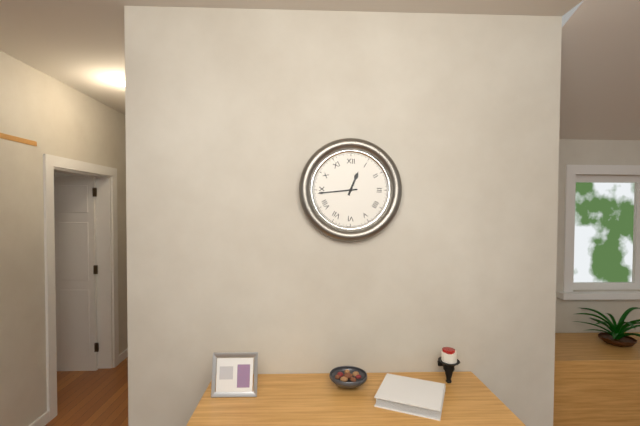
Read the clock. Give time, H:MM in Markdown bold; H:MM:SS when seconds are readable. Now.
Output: **12:44**
